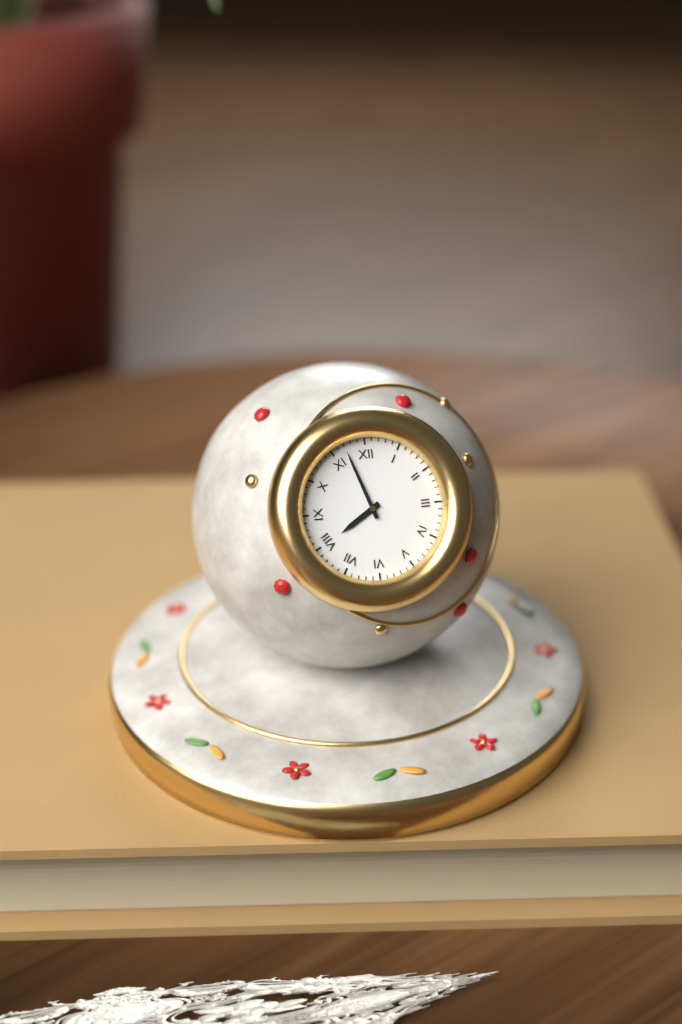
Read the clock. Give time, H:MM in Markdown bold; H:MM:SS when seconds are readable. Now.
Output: **7:57**
